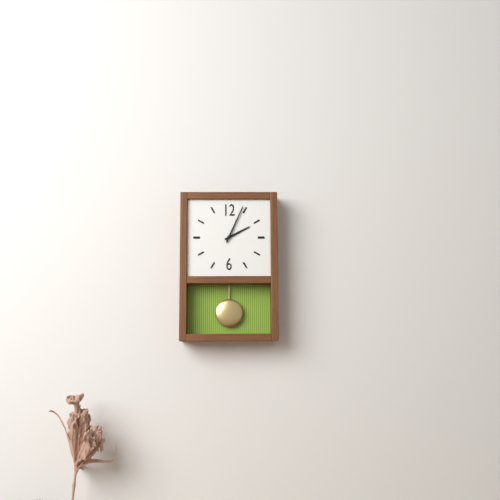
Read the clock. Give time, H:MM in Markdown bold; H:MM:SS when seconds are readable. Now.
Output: **2:04**
